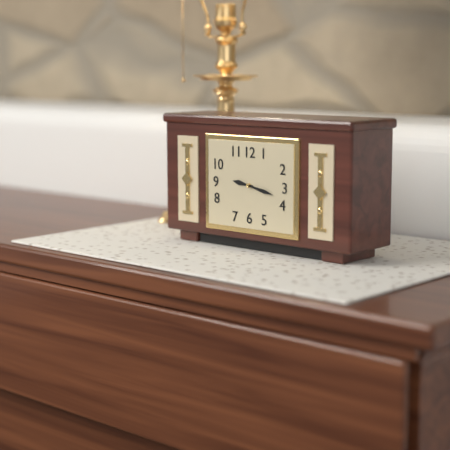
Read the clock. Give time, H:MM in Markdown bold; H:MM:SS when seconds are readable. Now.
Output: **9:17**
